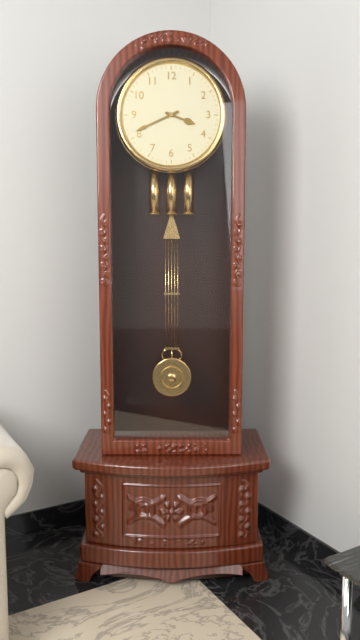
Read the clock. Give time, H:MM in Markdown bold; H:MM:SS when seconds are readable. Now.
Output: **3:41**
